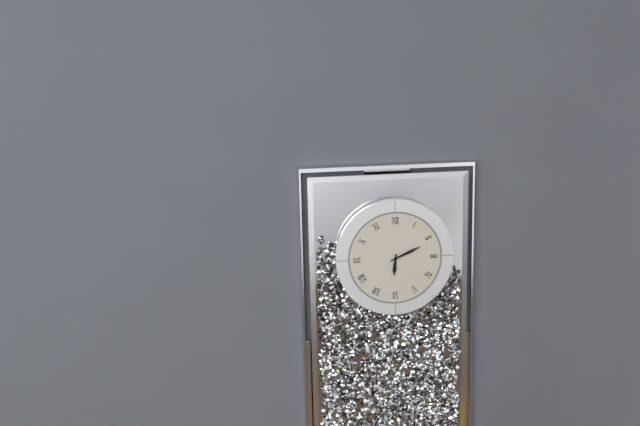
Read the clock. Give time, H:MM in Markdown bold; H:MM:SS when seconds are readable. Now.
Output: **6:11**
